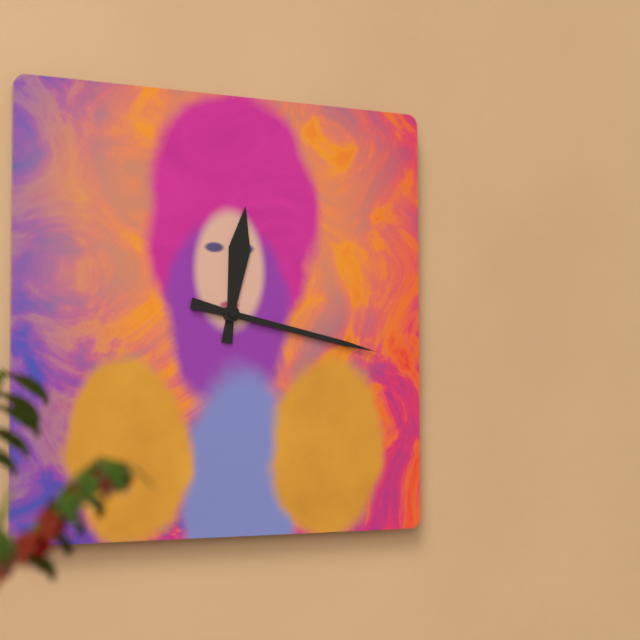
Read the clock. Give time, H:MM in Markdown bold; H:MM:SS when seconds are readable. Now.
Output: **12:17**
